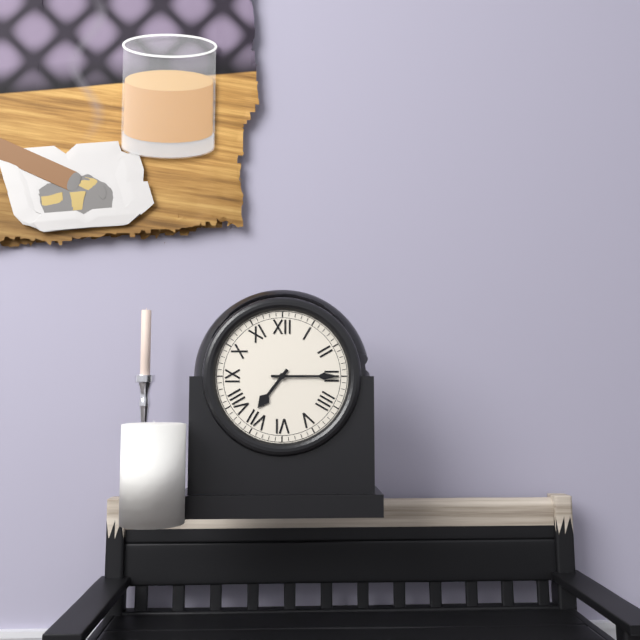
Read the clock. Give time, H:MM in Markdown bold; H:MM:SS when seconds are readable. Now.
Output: **7:15**
